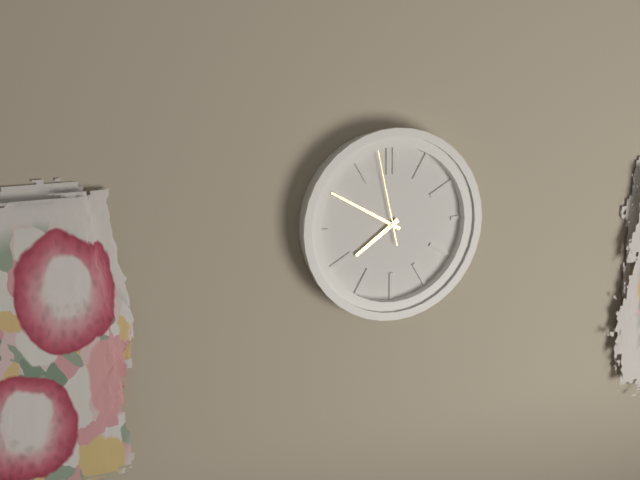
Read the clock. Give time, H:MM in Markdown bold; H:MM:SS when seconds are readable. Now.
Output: **7:50:58**
